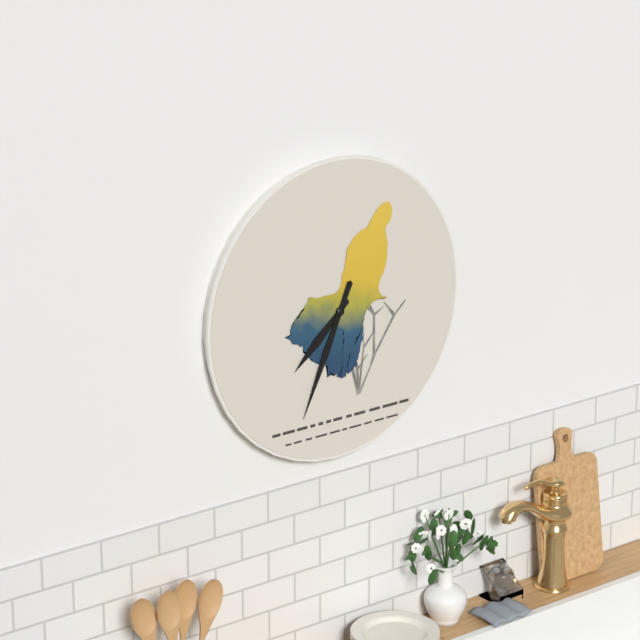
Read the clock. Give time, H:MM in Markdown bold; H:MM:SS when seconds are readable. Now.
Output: **7:34**
